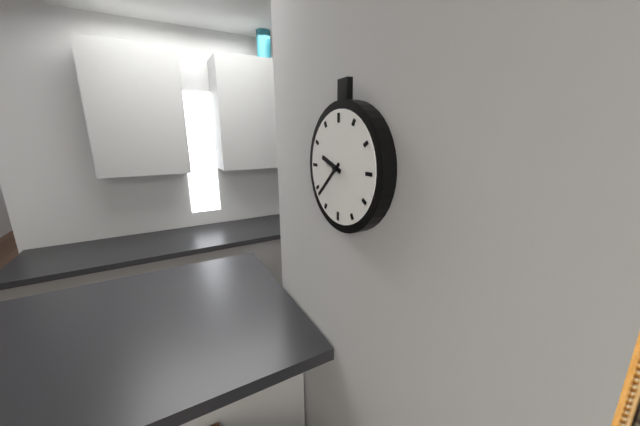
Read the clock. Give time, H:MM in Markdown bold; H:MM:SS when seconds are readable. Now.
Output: **9:38**
